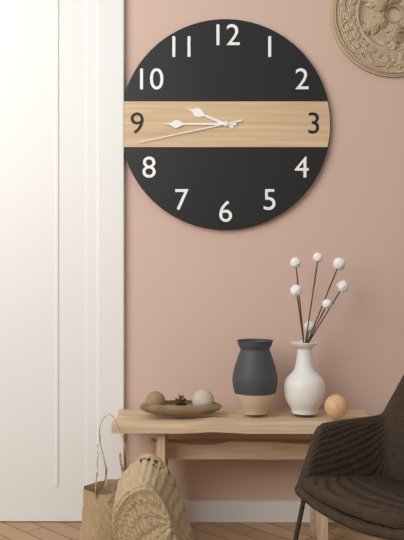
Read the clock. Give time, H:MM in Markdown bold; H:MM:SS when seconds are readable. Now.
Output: **9:45:43**
